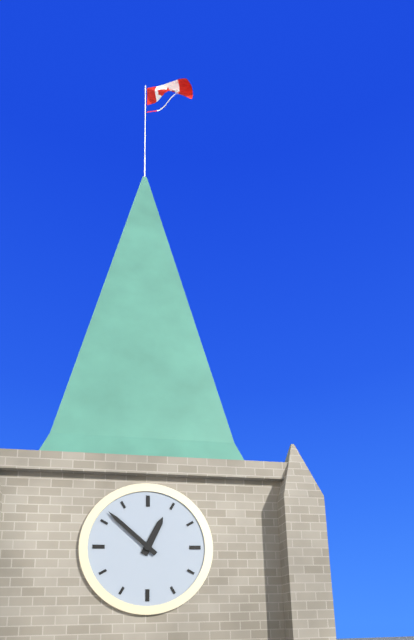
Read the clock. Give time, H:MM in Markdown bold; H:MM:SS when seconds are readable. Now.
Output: **12:52**
